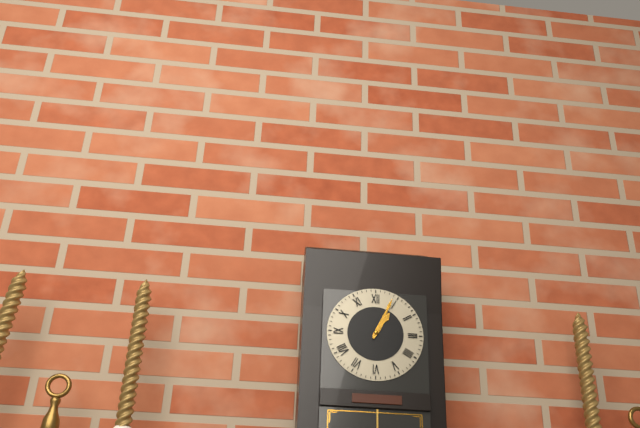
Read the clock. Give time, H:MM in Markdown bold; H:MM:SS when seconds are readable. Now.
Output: **1:04**
